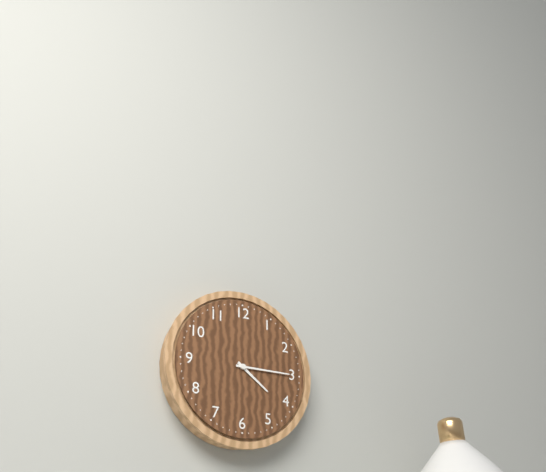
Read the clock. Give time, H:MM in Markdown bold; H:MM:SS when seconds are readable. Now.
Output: **4:15**
